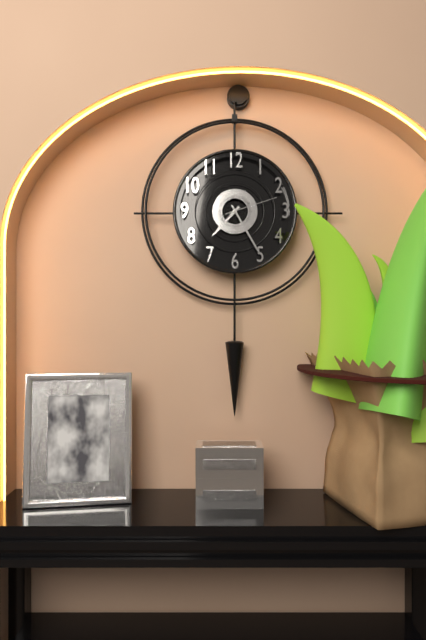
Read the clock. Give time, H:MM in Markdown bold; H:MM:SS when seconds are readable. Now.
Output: **7:25:12**
